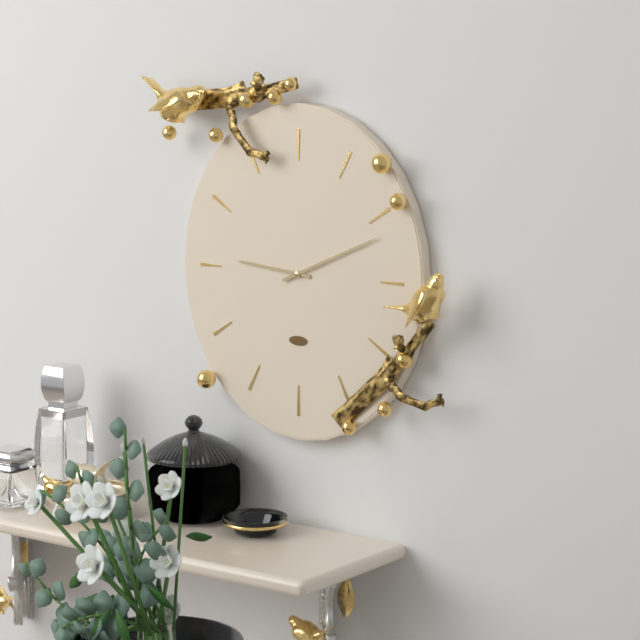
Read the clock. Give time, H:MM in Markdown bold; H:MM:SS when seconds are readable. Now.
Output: **9:11**
